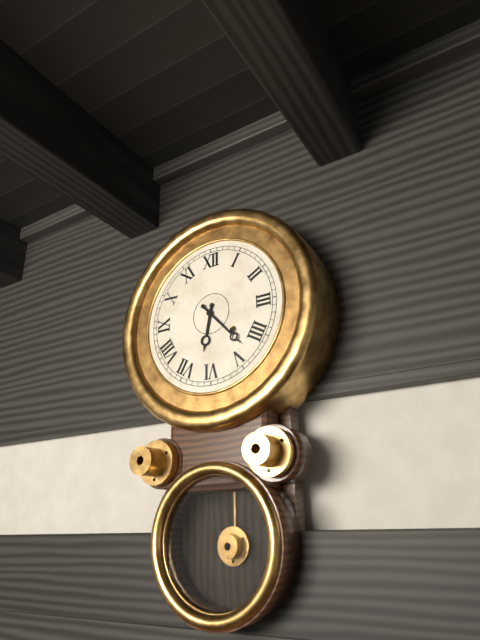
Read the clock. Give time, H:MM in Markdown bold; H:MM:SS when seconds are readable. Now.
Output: **6:23**
